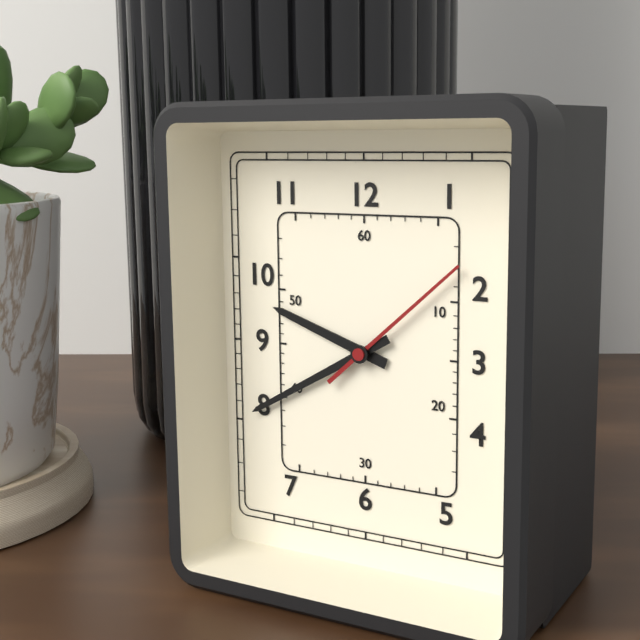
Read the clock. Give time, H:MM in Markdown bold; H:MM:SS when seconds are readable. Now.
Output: **9:40:08**
